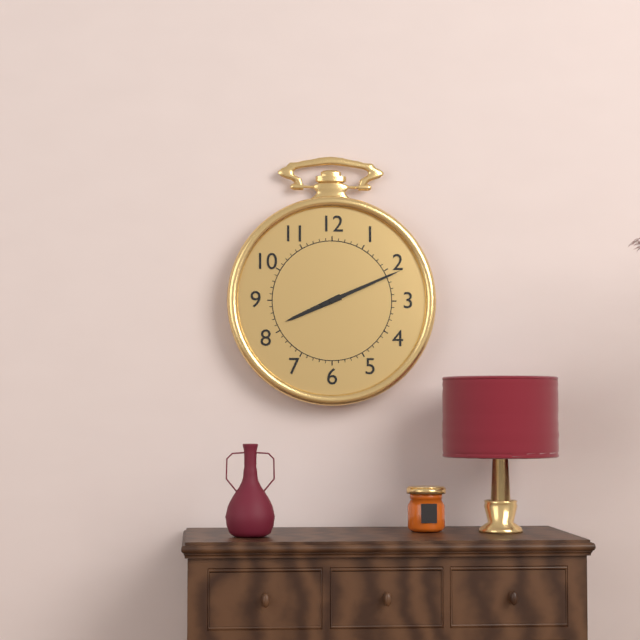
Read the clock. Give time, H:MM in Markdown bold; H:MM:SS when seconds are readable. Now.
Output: **8:11**
